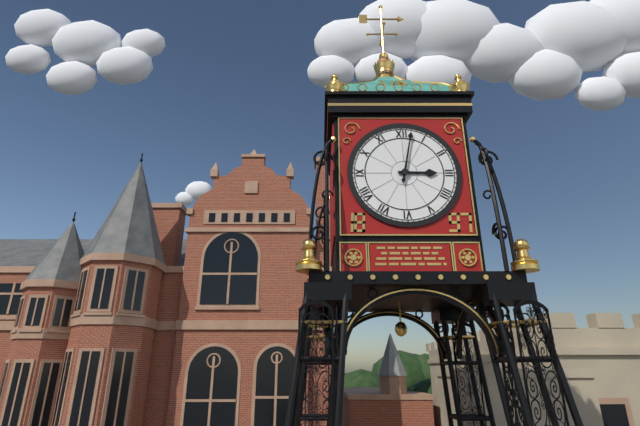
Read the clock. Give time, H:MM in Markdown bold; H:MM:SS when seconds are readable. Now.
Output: **3:02**
